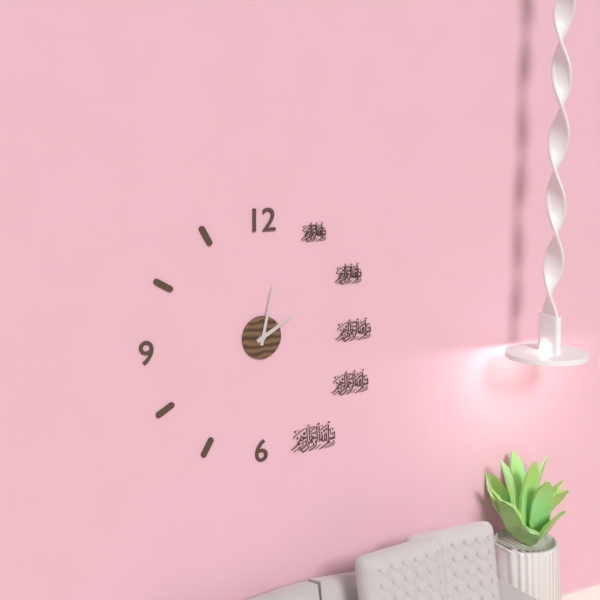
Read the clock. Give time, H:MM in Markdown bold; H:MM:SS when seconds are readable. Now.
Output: **2:02**
